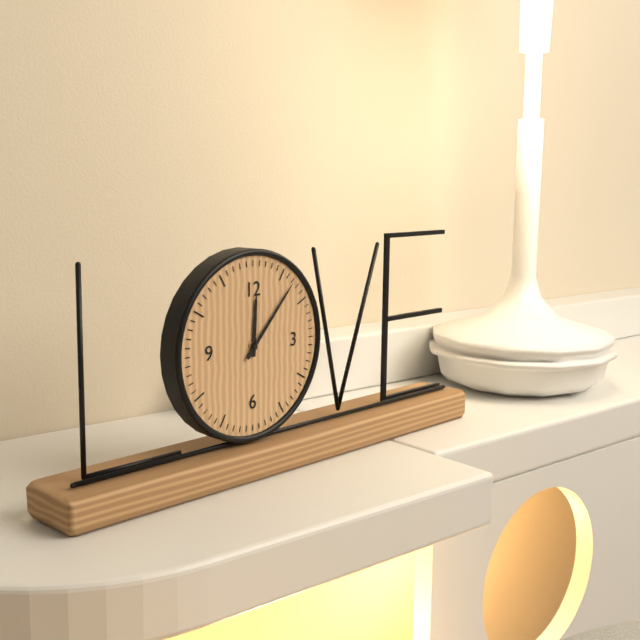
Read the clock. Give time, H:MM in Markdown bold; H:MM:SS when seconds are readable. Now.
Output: **12:07**
